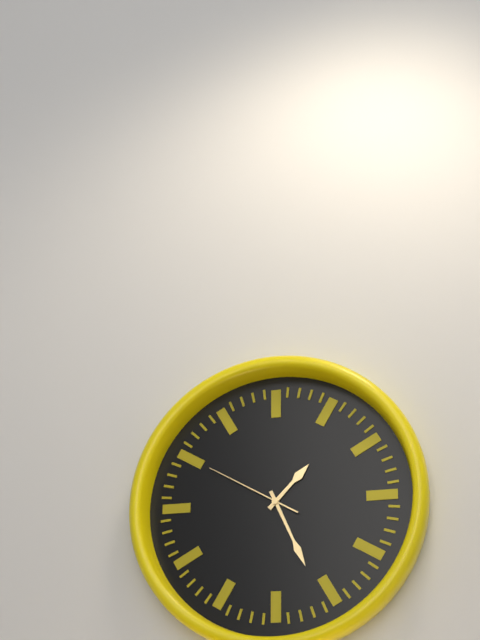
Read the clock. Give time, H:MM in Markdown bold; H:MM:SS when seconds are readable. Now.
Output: **1:26:50**
